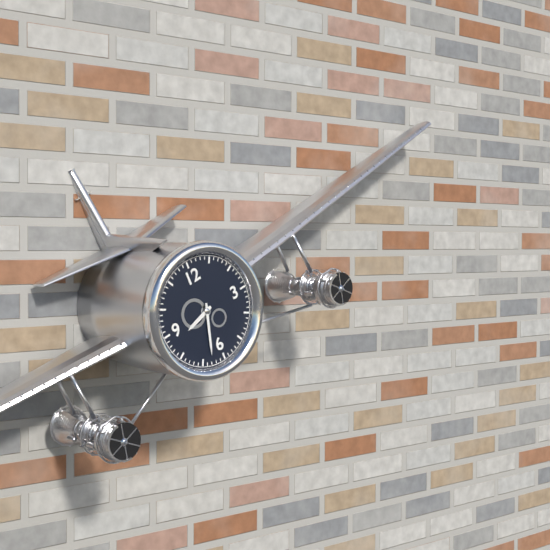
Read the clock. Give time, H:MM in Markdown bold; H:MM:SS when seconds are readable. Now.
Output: **8:33**
